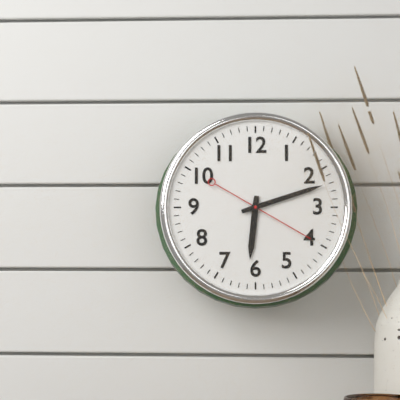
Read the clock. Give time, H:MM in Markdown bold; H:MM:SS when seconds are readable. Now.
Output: **6:12:20**
